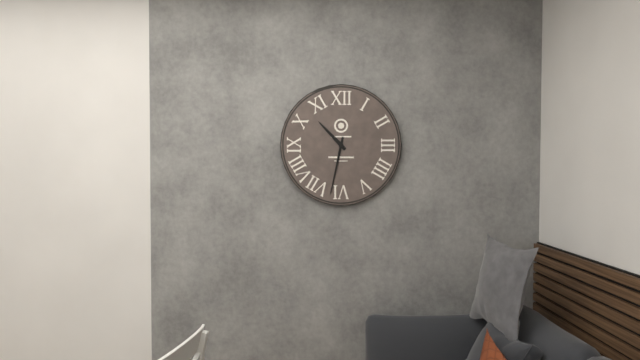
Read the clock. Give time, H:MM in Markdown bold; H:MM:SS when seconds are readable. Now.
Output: **10:32**
